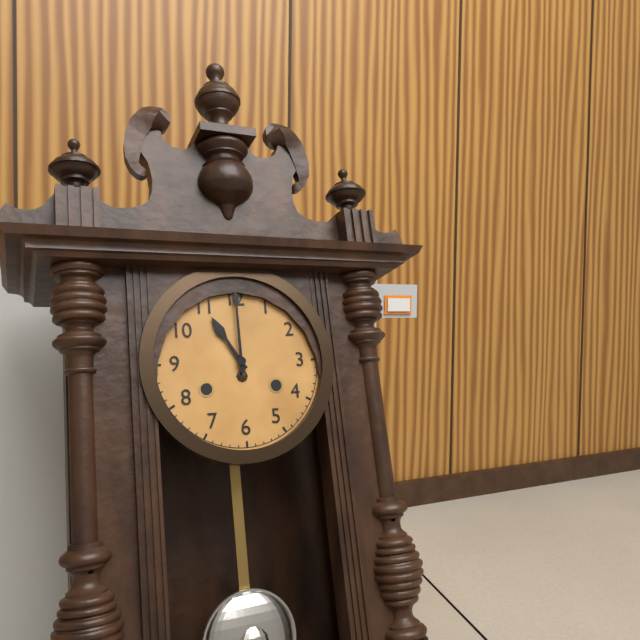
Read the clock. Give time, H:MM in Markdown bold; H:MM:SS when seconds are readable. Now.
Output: **11:00**
